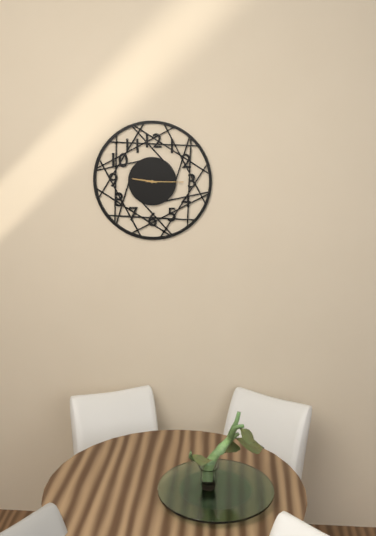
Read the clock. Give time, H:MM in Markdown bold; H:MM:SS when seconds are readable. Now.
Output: **9:15**
